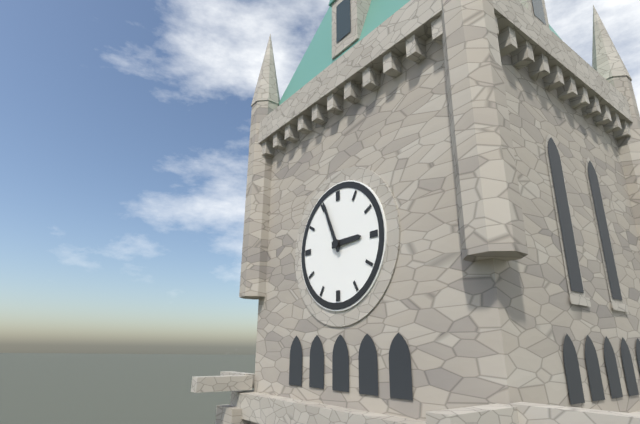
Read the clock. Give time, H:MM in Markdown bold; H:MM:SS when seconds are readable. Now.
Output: **2:56**
